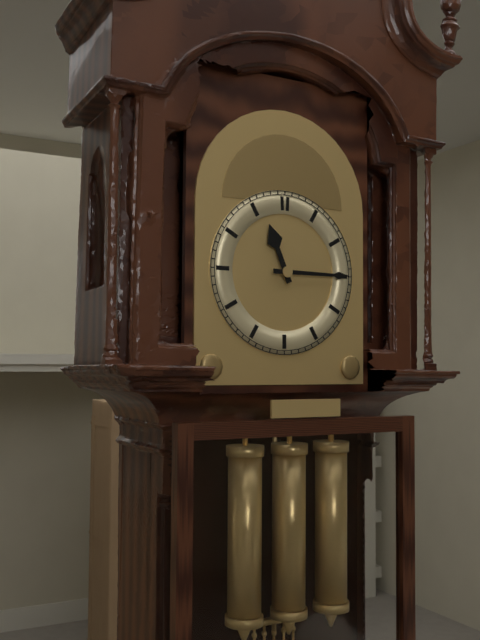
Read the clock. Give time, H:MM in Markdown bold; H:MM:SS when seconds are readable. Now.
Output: **11:15**
